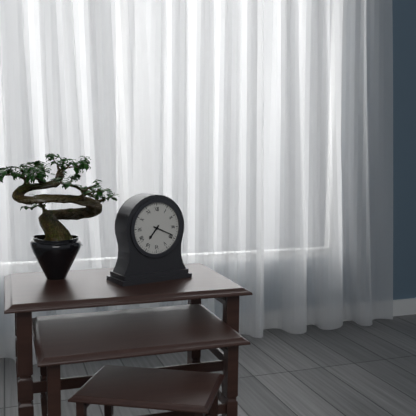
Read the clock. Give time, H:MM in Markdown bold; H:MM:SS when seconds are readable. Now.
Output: **7:19**
